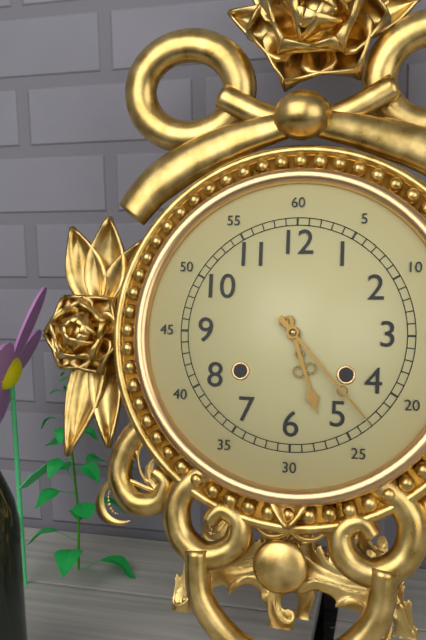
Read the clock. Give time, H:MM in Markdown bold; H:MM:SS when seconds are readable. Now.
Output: **5:23**
